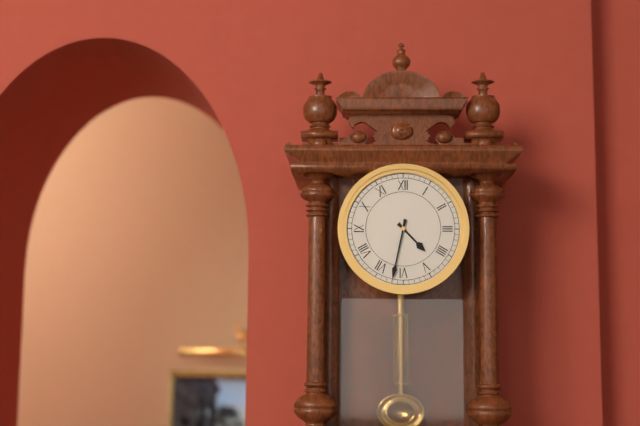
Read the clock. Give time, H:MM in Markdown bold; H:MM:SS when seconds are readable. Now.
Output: **4:32**
